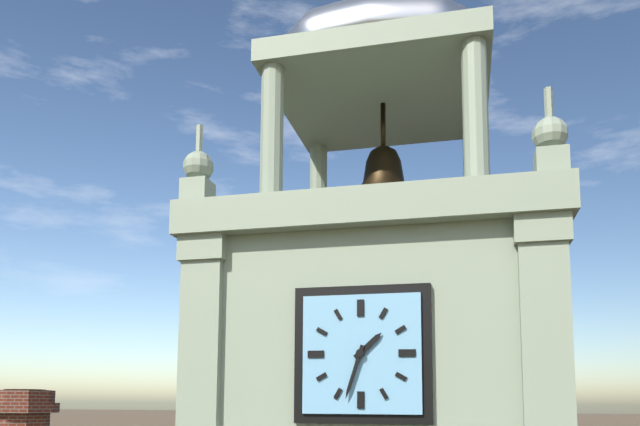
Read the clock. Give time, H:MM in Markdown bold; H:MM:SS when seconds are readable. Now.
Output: **1:33**
